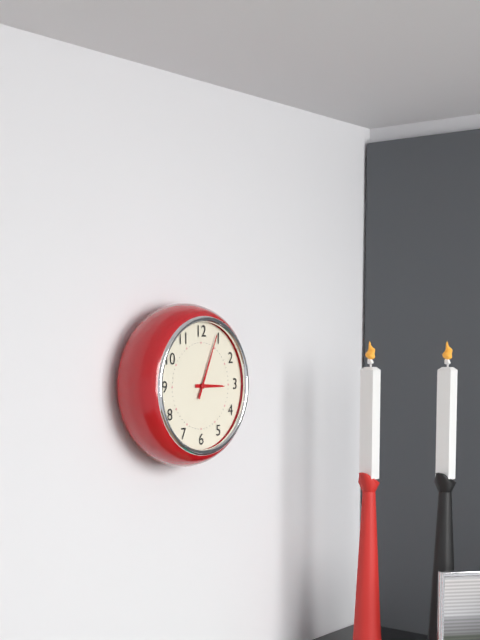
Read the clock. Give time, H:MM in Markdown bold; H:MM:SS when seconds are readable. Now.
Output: **3:04**
